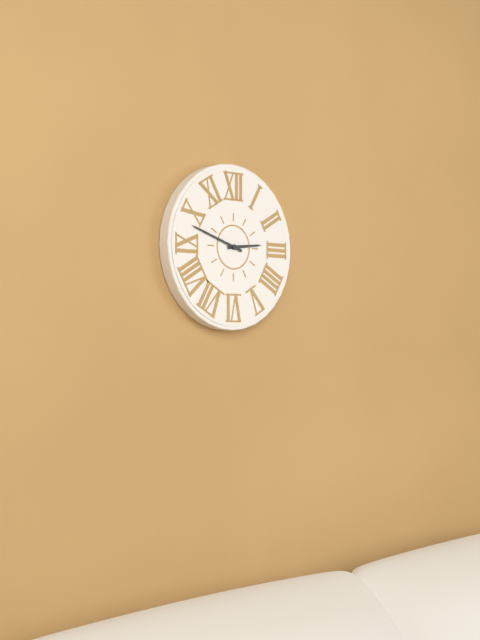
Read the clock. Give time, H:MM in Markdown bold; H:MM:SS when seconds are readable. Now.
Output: **2:48**
